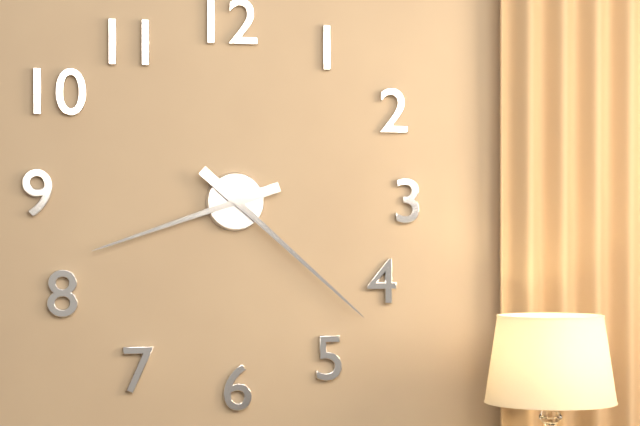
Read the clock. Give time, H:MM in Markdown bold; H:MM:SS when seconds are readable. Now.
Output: **8:22**
